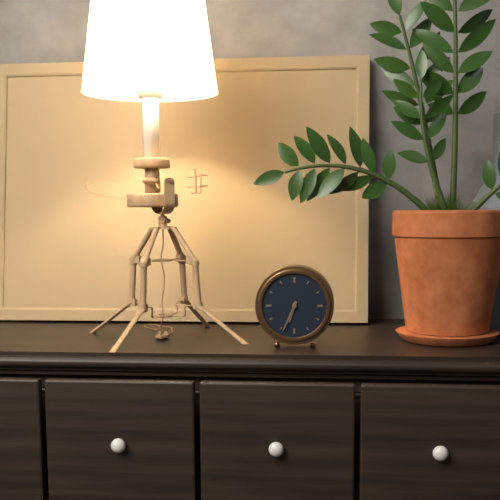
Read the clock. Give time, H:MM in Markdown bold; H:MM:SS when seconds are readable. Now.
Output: **6:34**
